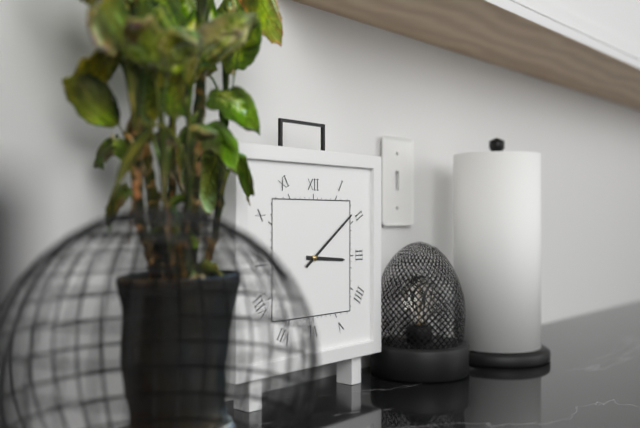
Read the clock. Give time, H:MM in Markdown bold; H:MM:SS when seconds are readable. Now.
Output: **3:09**
